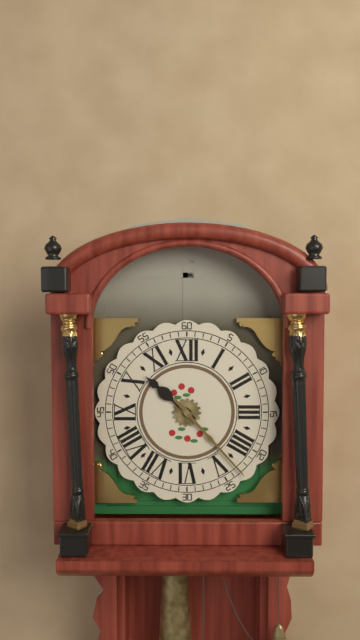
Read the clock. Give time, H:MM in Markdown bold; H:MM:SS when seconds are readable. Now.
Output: **10:23**
